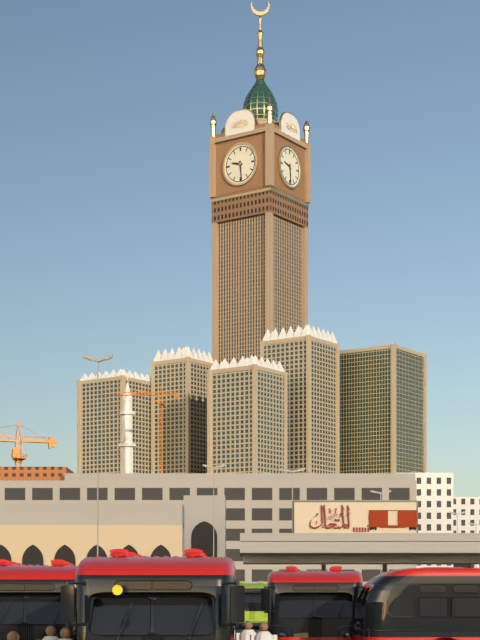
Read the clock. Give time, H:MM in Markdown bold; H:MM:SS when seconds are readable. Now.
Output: **9:29**
